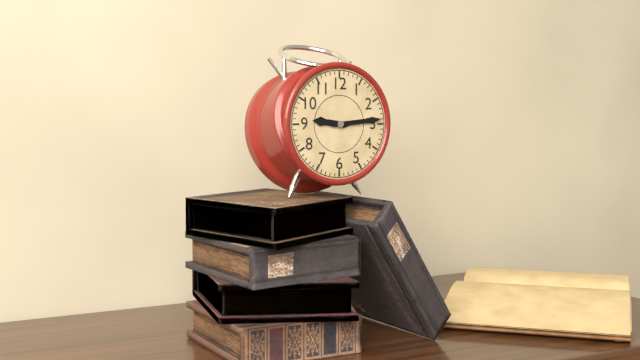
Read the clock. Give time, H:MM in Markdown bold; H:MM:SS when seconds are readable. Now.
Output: **9:14**
